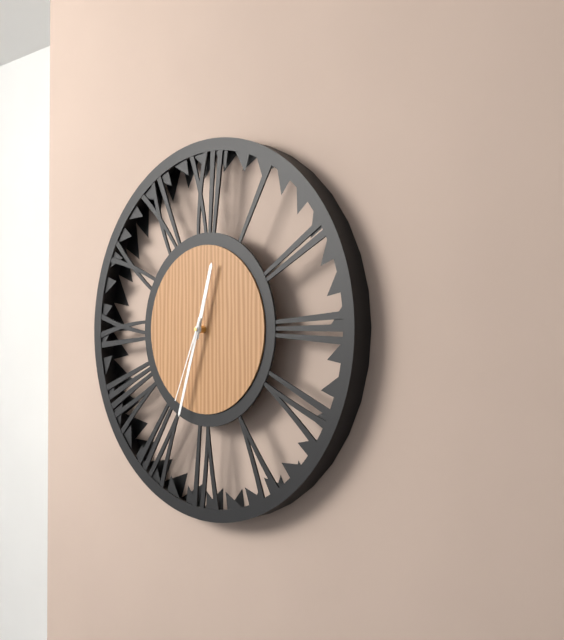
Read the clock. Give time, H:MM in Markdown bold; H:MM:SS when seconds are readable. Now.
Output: **12:33:34**
